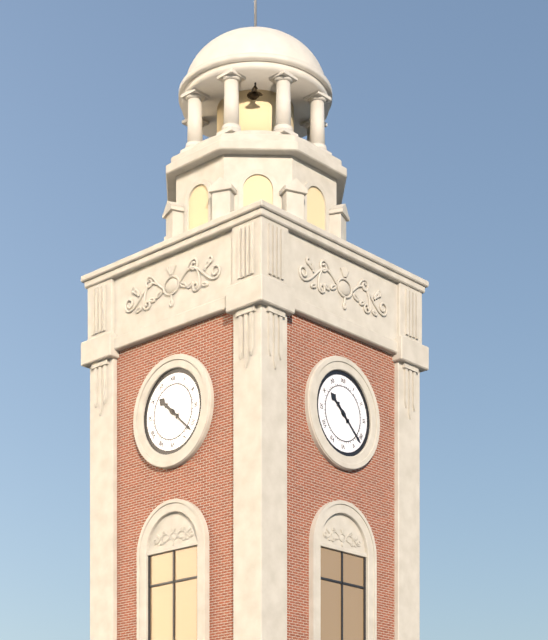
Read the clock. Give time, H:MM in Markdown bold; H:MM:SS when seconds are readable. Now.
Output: **10:22**
